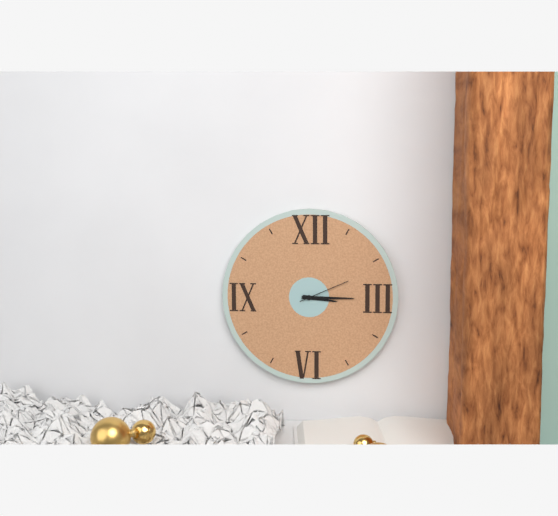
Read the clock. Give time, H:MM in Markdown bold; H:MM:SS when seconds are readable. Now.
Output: **3:15:11**
